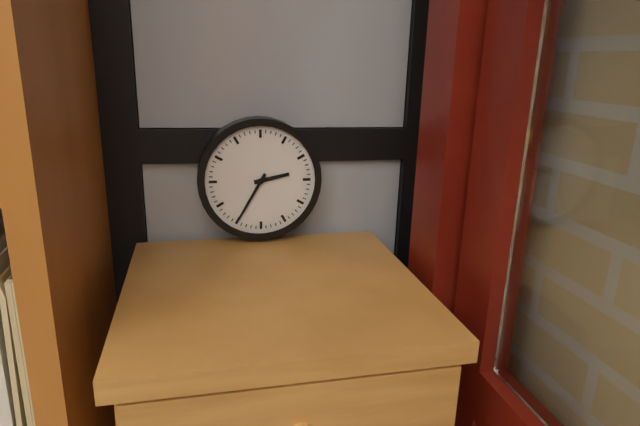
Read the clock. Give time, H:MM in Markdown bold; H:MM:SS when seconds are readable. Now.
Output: **2:35**
